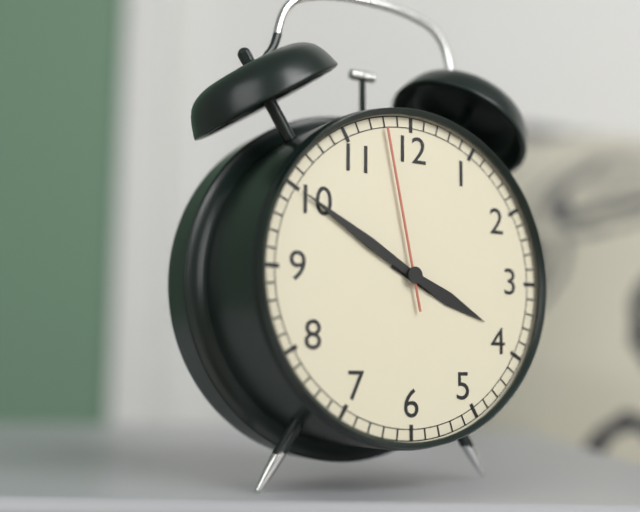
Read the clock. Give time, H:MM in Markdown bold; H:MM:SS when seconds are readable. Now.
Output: **3:50:58**
